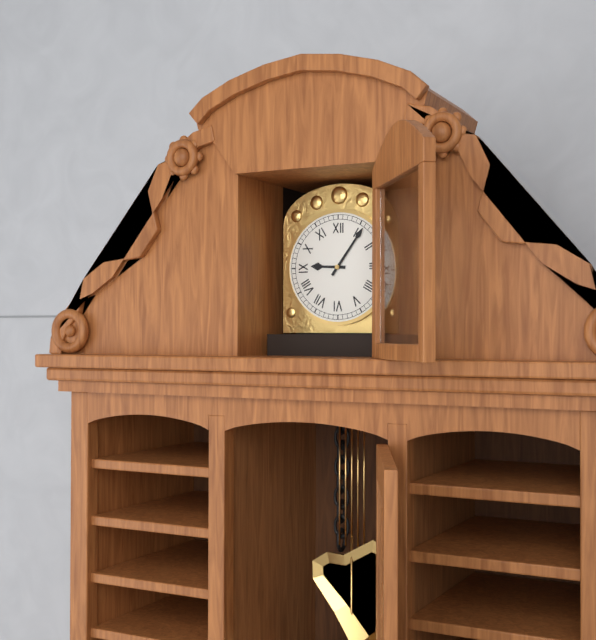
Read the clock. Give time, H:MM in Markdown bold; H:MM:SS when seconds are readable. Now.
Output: **9:06**
